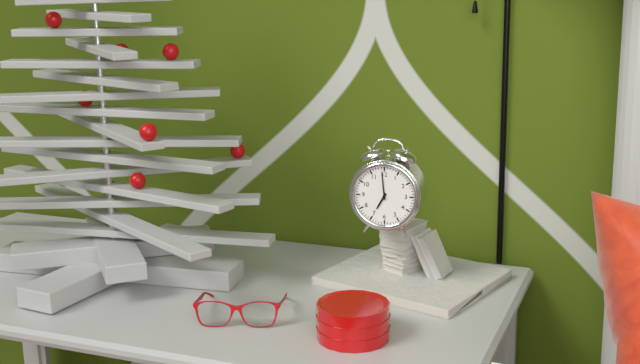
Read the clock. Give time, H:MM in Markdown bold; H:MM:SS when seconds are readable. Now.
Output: **6:59**
